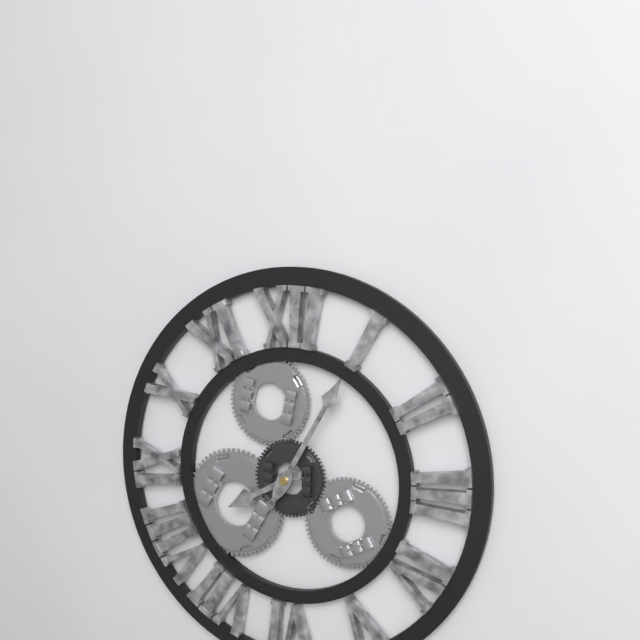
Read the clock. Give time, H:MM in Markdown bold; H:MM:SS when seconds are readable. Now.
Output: **8:05**
